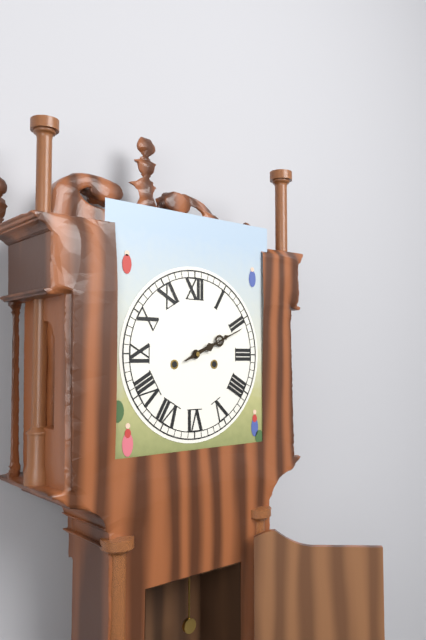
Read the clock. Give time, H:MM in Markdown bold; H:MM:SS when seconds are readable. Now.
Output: **2:11**
